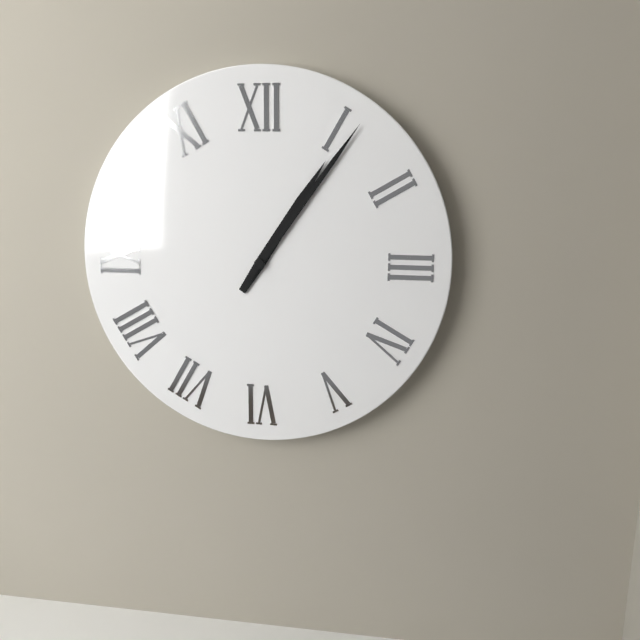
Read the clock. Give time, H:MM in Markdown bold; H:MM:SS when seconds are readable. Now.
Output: **1:06**
